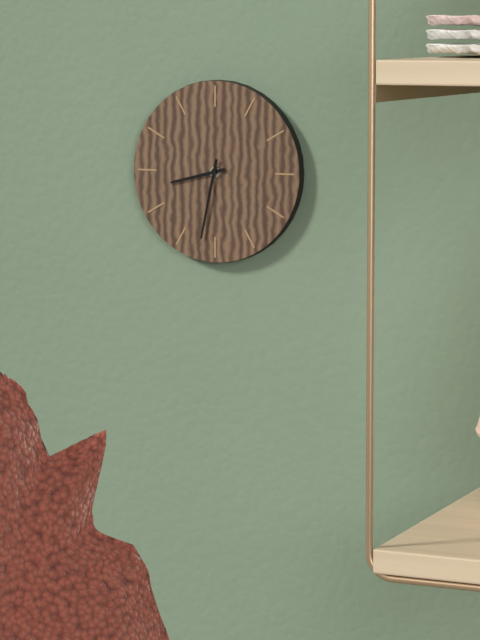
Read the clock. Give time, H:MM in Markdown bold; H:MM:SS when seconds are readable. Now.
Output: **8:32**
